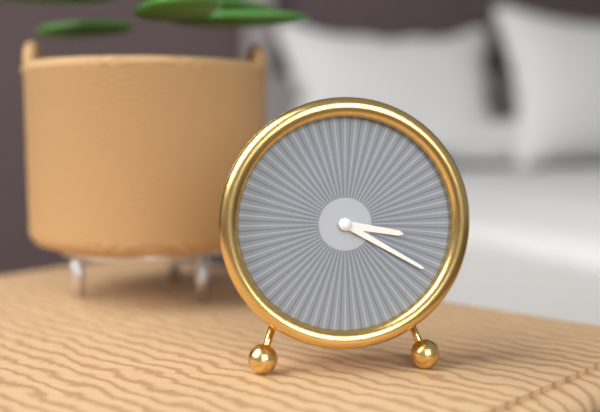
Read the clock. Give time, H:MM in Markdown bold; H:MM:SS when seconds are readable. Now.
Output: **3:20**
